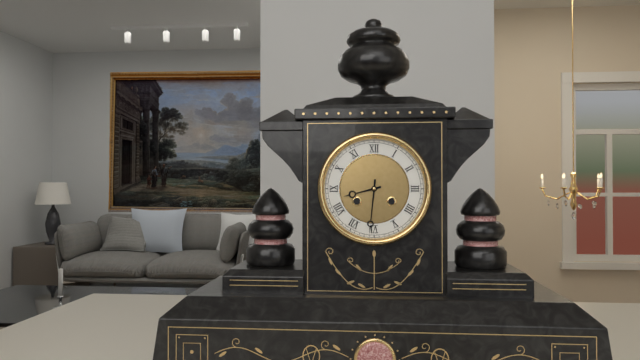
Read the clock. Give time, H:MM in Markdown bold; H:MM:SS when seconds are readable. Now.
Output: **8:31**
